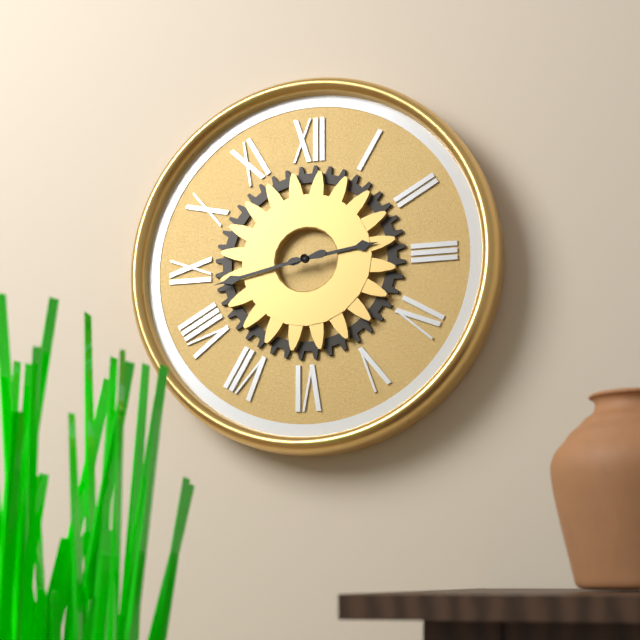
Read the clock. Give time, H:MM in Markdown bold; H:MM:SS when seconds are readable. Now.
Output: **2:43**
